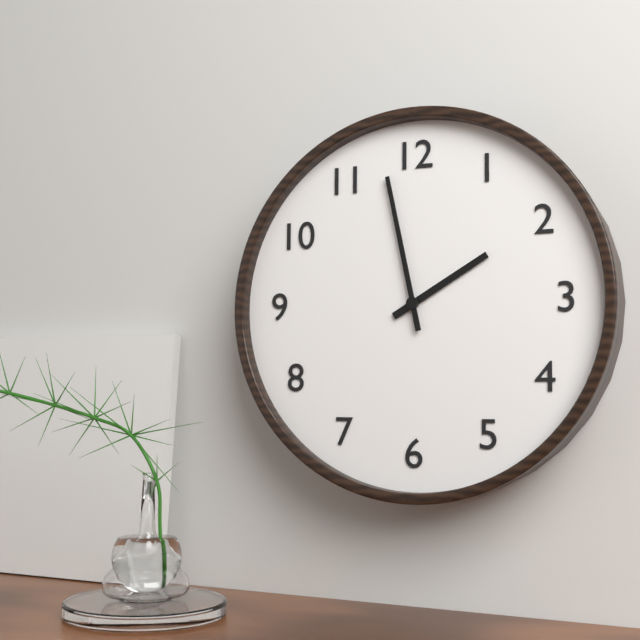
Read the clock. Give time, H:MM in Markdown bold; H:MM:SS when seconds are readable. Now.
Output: **1:58**
